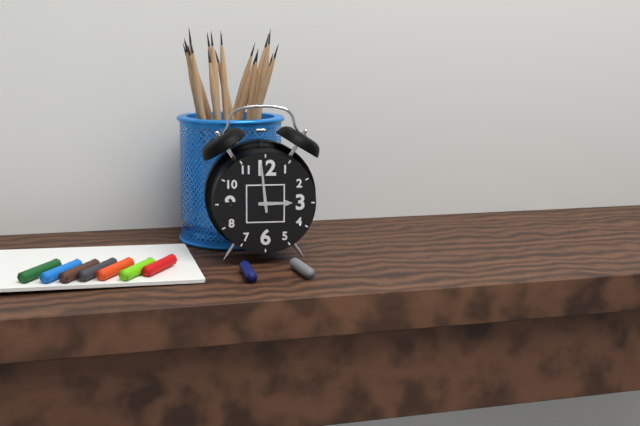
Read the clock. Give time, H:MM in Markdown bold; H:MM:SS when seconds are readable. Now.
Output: **2:59**
